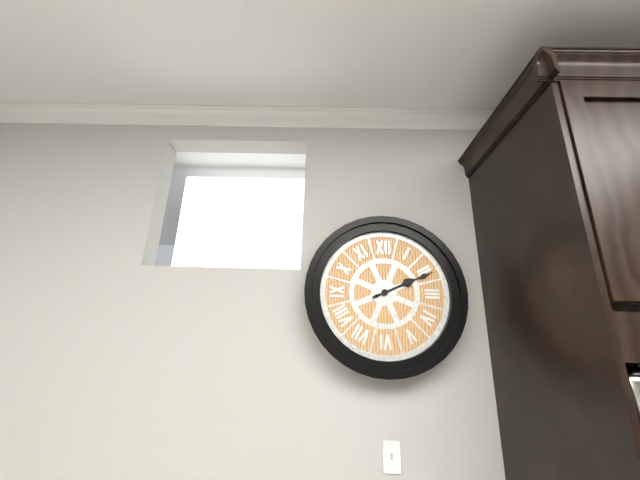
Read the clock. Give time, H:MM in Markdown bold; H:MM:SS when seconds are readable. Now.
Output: **2:11**
